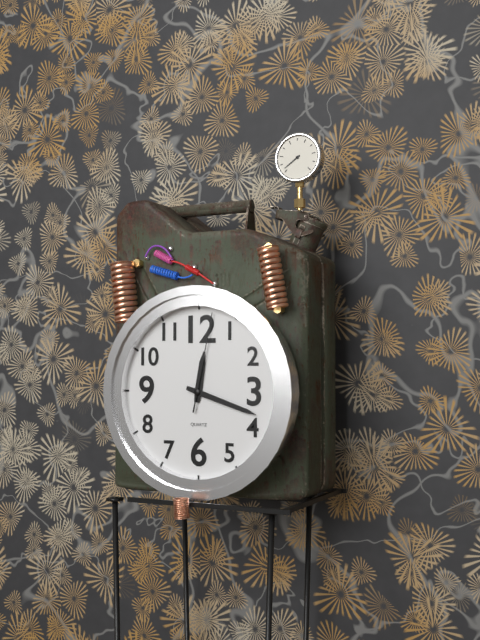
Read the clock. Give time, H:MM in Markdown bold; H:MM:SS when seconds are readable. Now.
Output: **12:18:02**
